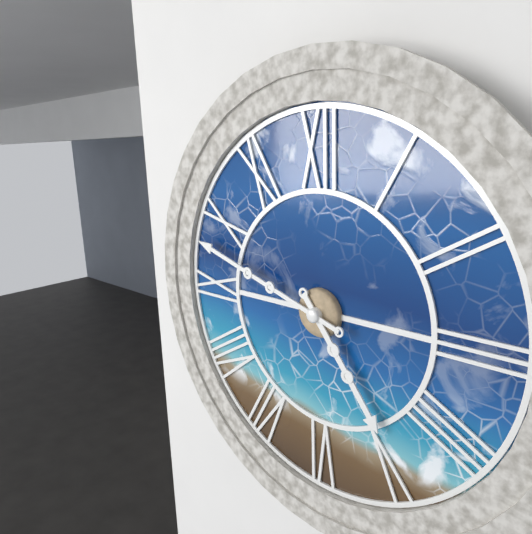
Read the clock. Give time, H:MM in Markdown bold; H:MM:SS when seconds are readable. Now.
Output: **4:48**
